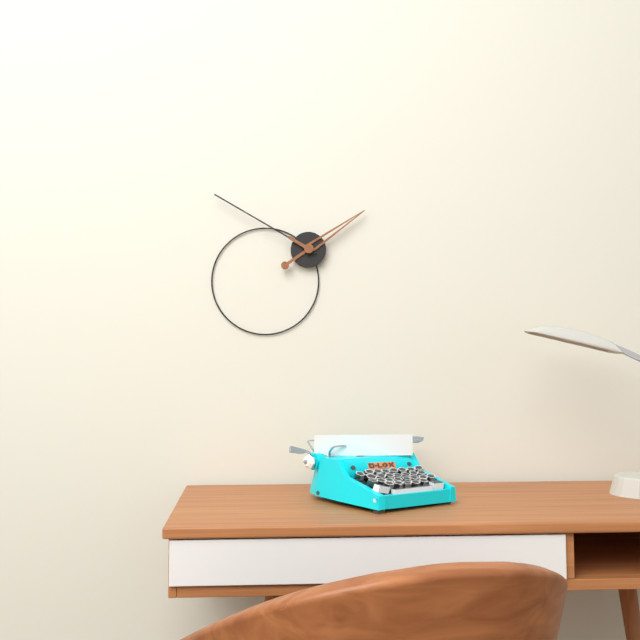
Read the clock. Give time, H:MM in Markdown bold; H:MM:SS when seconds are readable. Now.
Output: **1:50**
